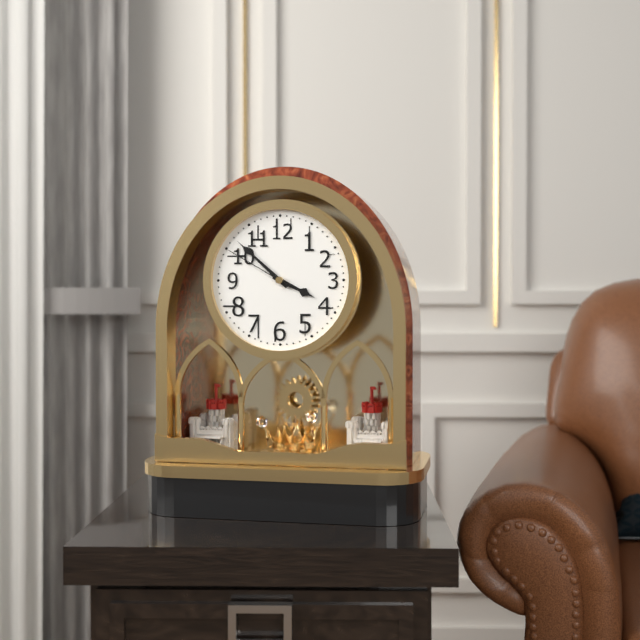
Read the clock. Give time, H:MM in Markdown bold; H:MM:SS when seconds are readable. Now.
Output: **3:52:50**
